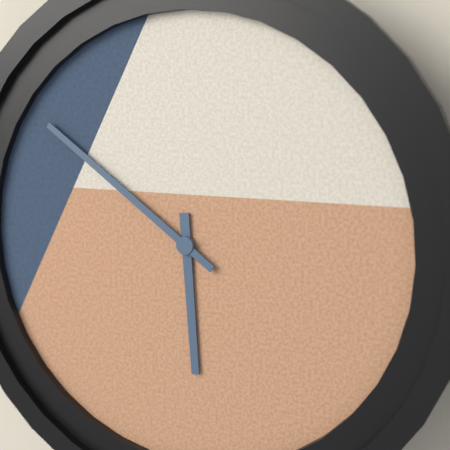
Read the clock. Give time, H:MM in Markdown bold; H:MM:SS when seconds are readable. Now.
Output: **5:51**
